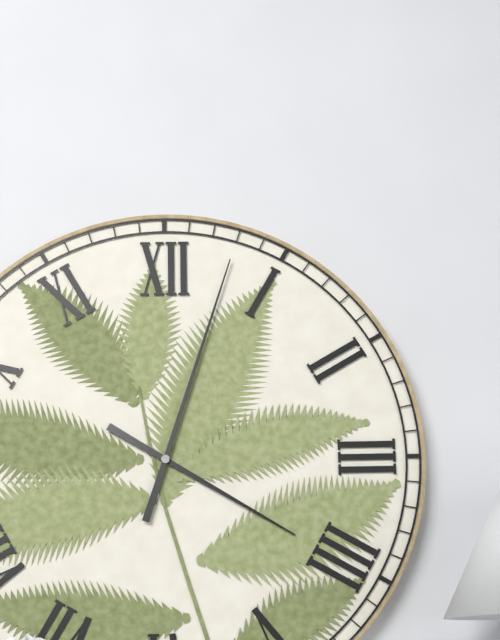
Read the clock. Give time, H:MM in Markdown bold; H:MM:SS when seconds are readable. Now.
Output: **4:03**
